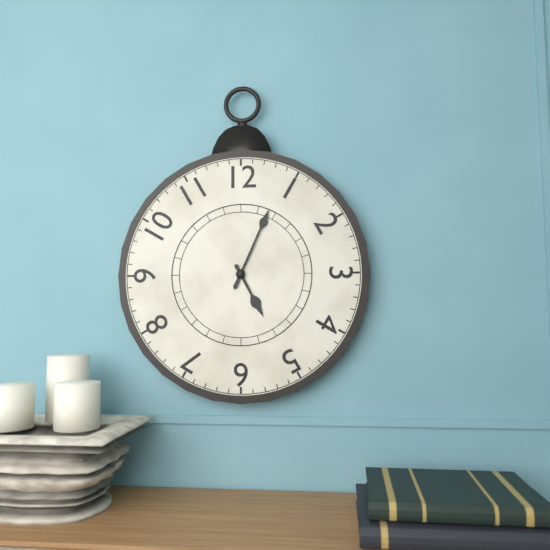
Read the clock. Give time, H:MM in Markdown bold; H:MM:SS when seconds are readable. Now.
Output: **5:04**
